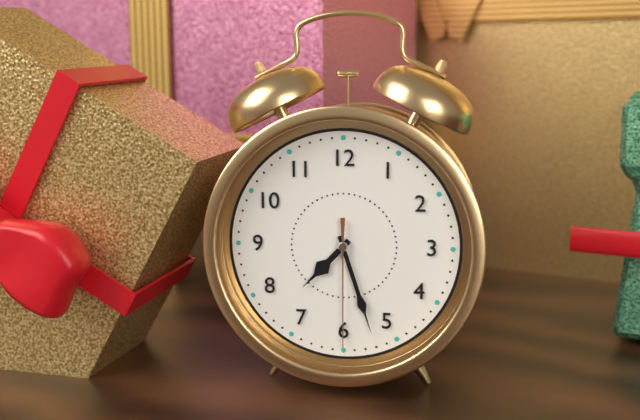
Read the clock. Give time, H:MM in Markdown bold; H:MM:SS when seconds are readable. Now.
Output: **7:27:30**
